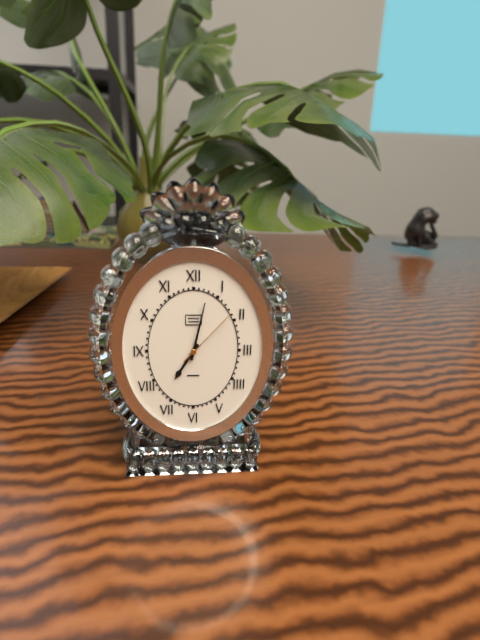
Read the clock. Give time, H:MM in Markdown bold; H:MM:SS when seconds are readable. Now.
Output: **7:02:07**
